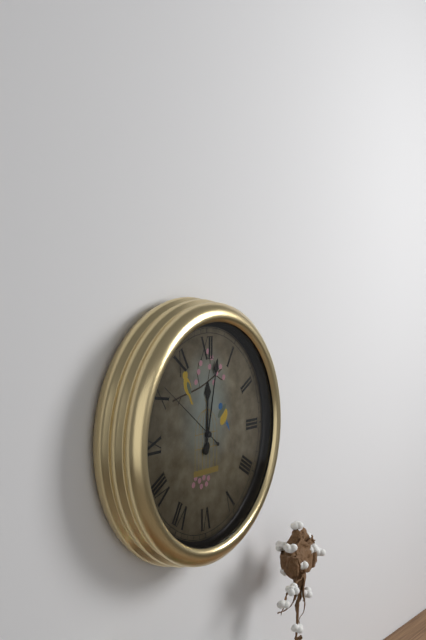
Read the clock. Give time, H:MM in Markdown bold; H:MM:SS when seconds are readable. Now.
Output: **12:02:51**
